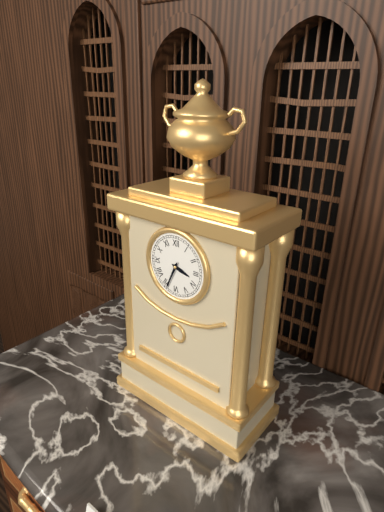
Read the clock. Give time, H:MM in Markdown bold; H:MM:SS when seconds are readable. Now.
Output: **3:34**
